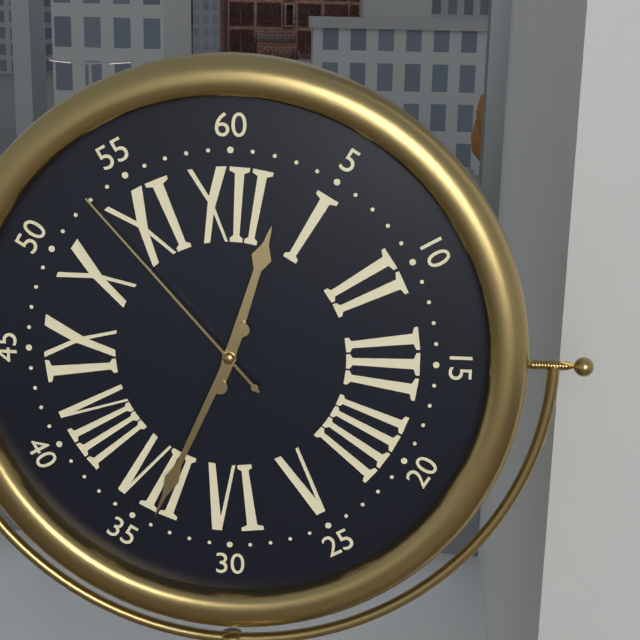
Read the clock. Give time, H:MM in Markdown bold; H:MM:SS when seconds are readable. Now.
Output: **12:34:53**
